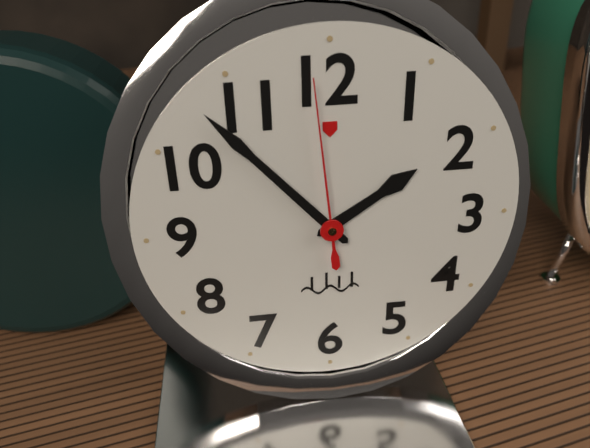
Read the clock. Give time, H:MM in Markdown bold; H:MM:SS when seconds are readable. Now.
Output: **1:53:59**
